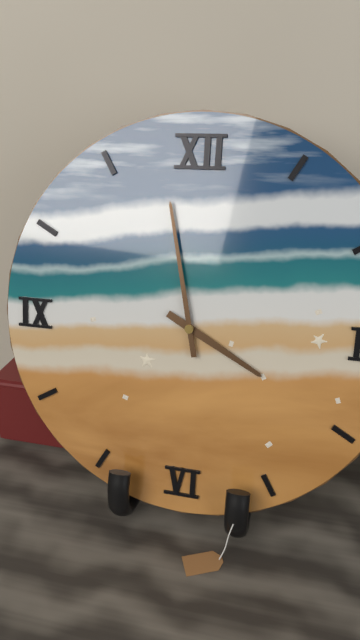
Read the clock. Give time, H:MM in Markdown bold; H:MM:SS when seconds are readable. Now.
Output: **3:58**
